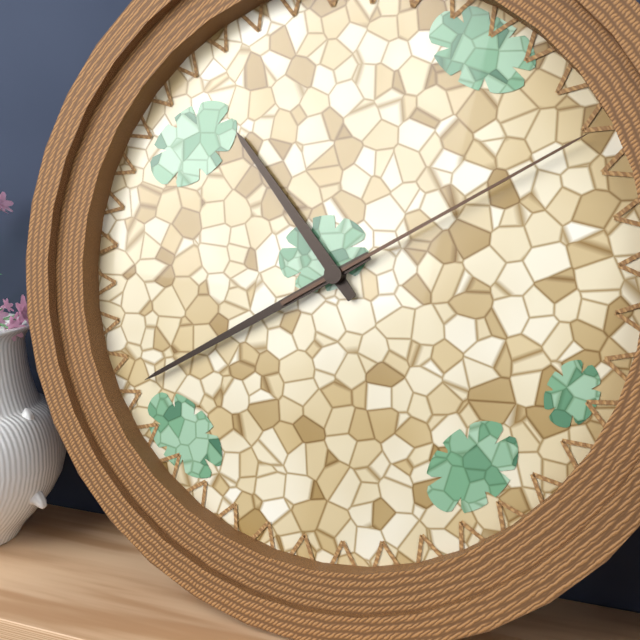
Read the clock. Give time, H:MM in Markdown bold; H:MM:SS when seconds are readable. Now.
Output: **10:40:10**
